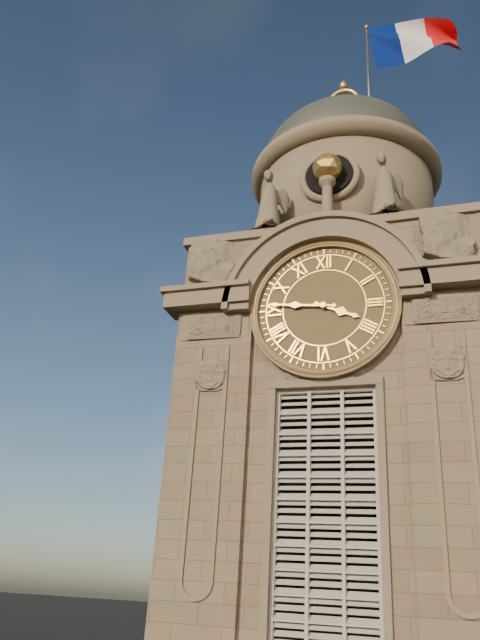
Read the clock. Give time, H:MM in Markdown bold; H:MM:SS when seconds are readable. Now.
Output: **3:46**
